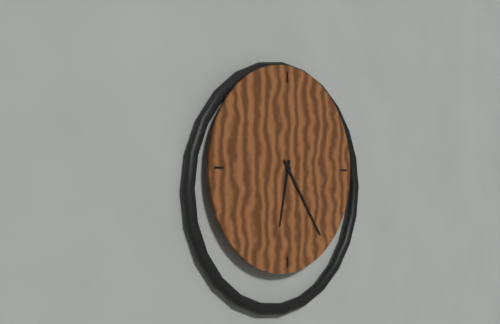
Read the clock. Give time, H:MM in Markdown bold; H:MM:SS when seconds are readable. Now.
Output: **6:24**
